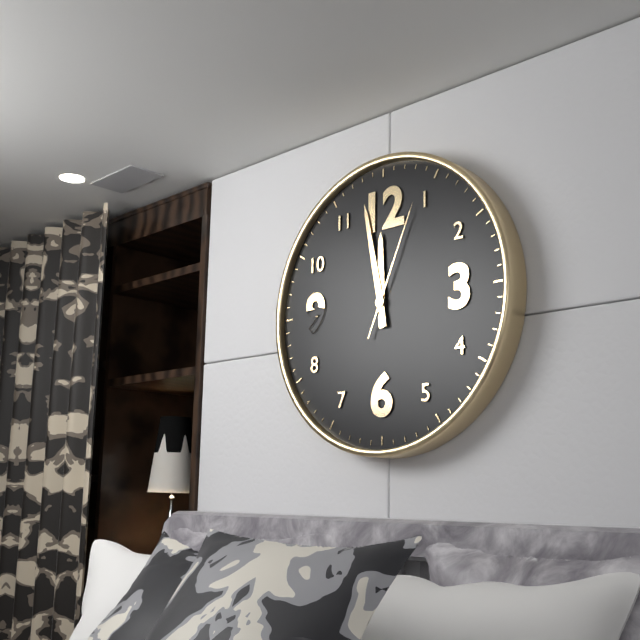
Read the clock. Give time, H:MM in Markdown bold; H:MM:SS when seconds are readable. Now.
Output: **11:58:04**
